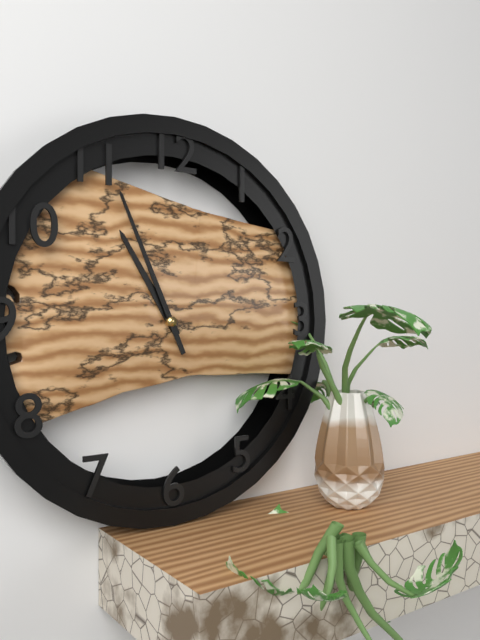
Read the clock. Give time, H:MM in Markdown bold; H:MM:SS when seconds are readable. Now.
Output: **10:56**
